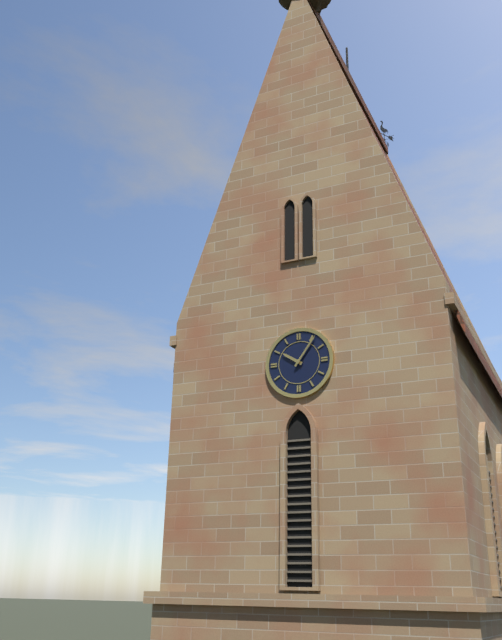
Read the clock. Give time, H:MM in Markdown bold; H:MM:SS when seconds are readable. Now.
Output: **10:06**
